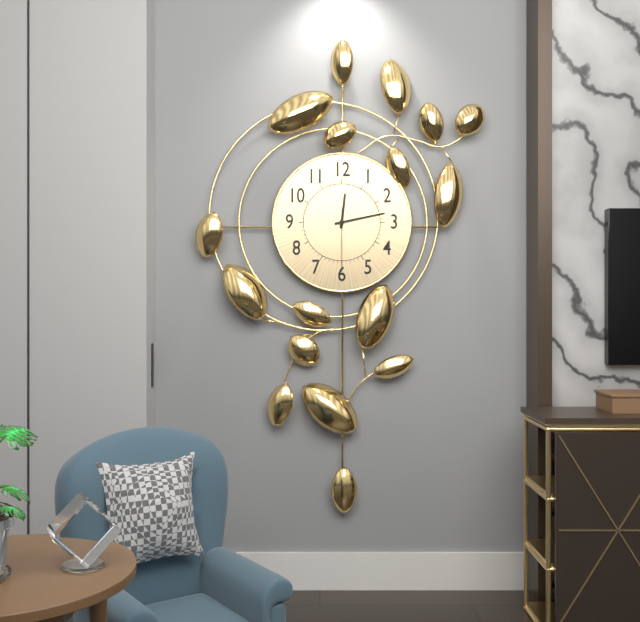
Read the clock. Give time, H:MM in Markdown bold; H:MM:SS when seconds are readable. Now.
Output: **12:13:30**
